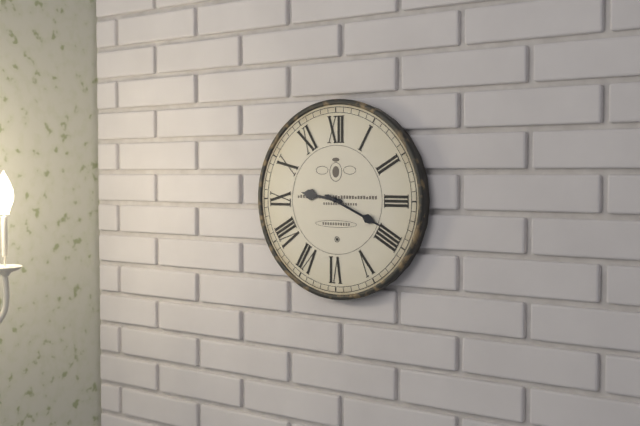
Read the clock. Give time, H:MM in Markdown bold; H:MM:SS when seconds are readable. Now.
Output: **9:19**
